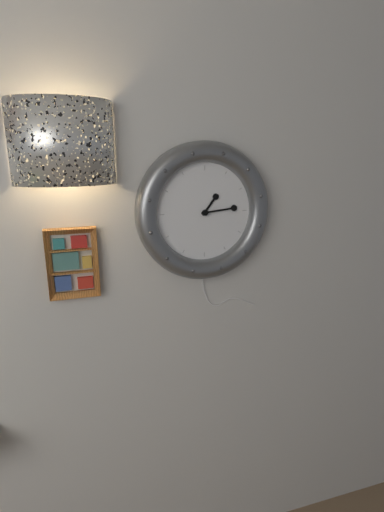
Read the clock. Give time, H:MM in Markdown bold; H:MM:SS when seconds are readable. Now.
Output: **1:14**
